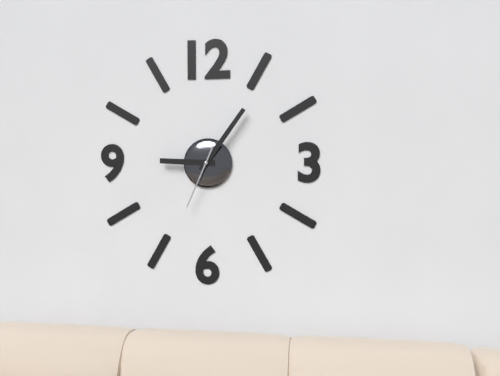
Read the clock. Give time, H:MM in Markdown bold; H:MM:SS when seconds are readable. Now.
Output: **9:06:34**
